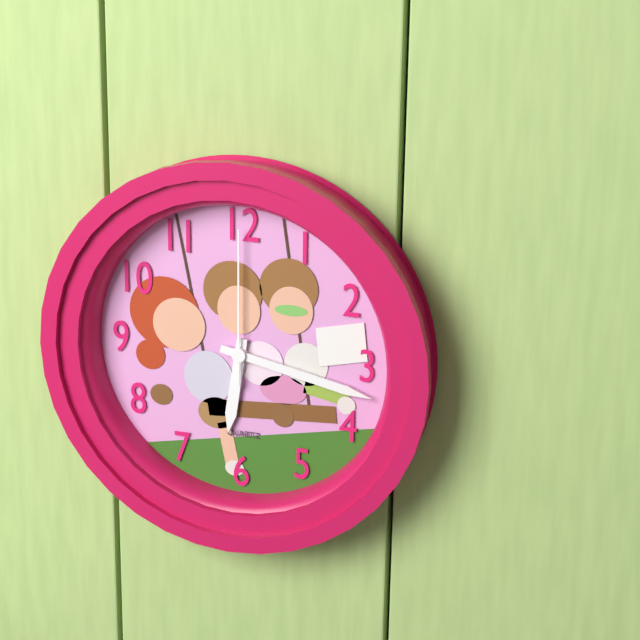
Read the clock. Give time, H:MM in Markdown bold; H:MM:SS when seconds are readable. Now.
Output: **6:17:00**
